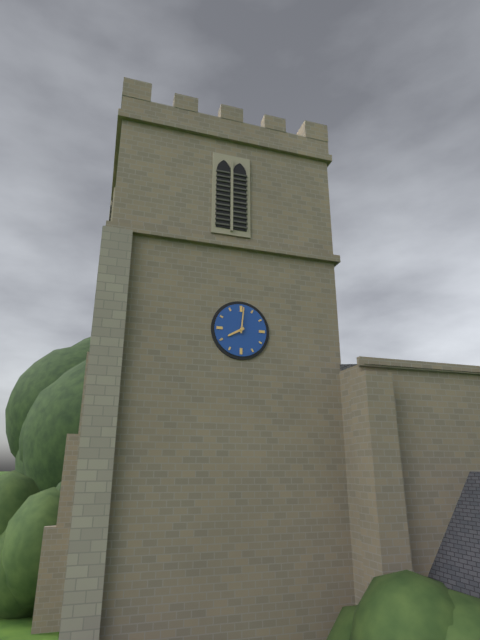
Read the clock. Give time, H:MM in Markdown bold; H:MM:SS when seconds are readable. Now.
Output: **8:01**
